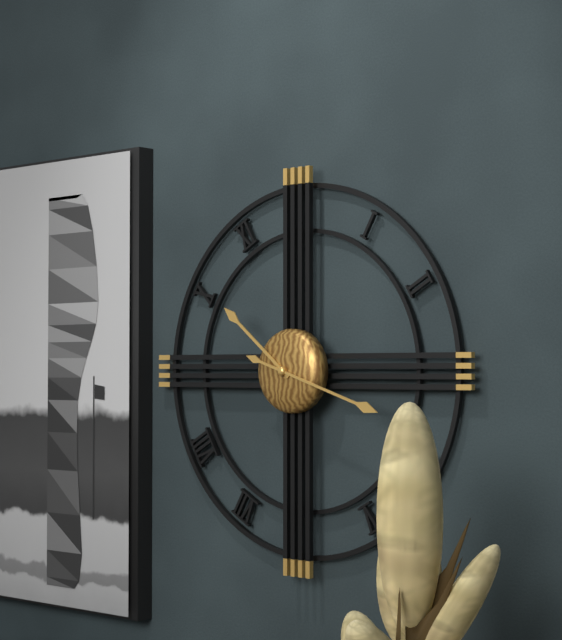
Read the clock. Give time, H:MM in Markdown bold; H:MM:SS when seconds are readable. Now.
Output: **10:18**
